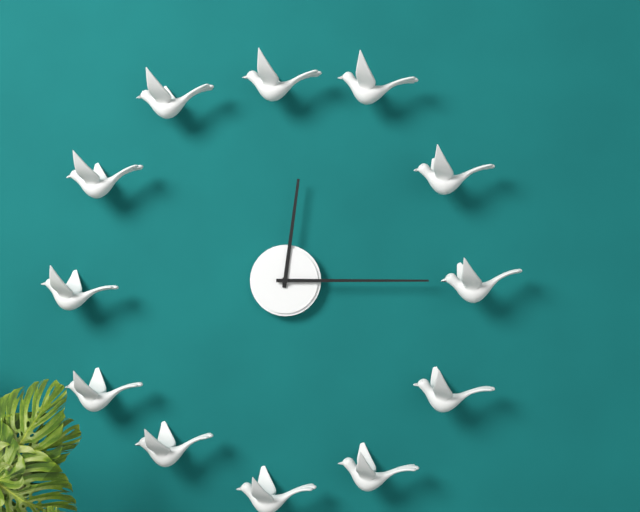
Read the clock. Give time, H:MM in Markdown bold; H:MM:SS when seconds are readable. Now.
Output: **12:15**
